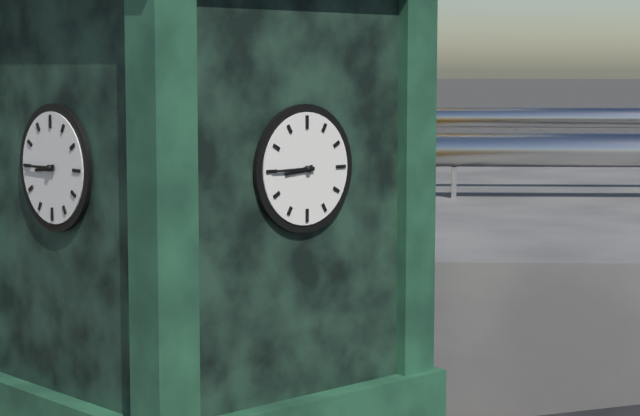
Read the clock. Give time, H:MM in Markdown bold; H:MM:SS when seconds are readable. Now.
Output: **8:45**
